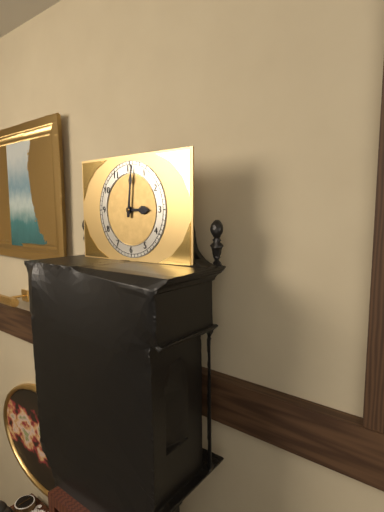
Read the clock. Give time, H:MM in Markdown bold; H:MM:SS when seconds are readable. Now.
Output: **3:01**
